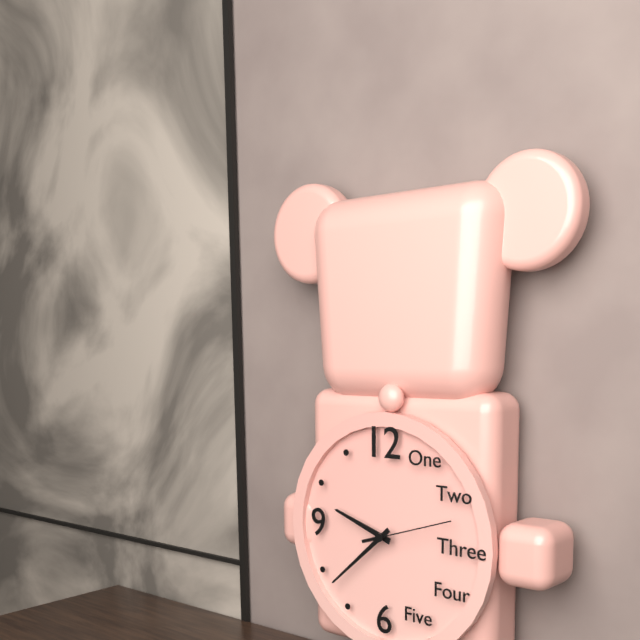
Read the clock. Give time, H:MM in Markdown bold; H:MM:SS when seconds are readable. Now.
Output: **9:38:12**
